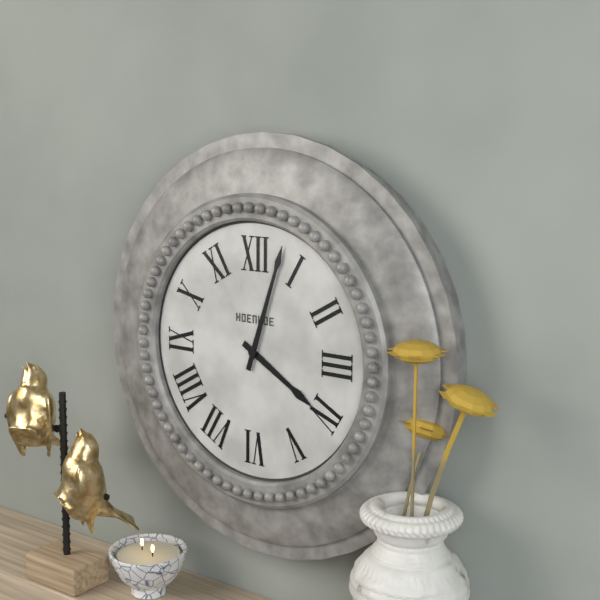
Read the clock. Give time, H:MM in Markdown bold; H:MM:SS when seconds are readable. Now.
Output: **4:03**
